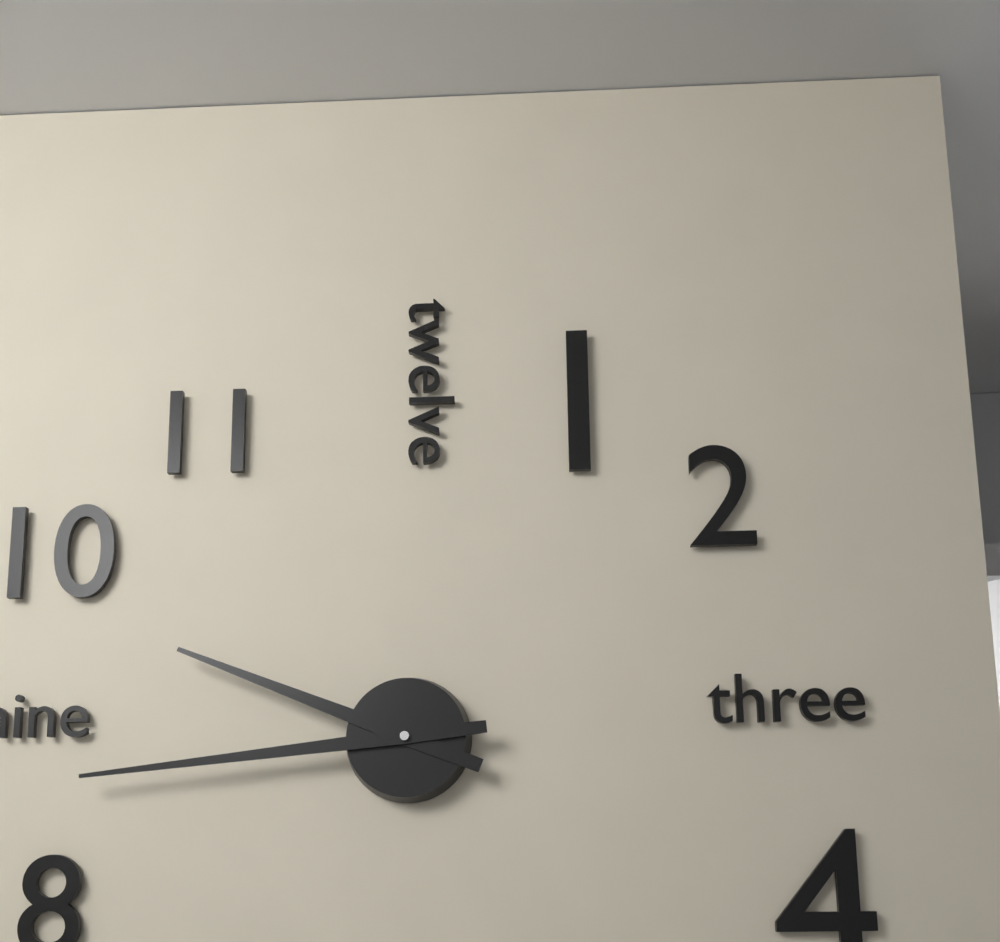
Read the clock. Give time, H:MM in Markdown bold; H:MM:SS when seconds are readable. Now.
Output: **9:44**
